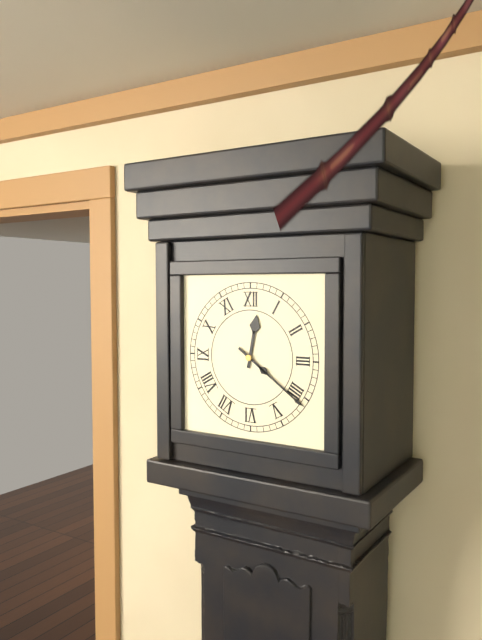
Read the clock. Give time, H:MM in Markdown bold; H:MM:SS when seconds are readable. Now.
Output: **12:21**
